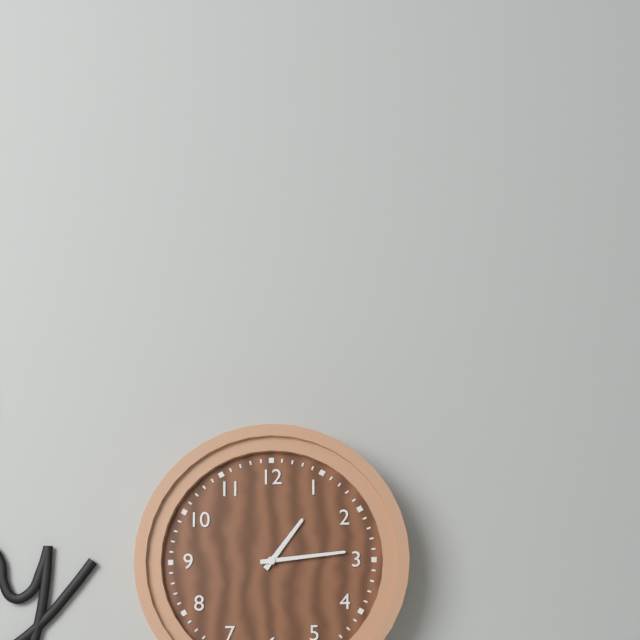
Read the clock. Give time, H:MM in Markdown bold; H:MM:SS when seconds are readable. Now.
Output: **1:14**
